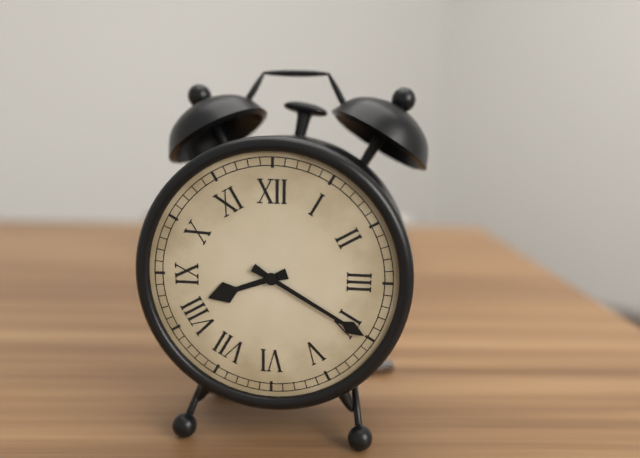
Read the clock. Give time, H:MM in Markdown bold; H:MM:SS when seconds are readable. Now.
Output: **8:20**
